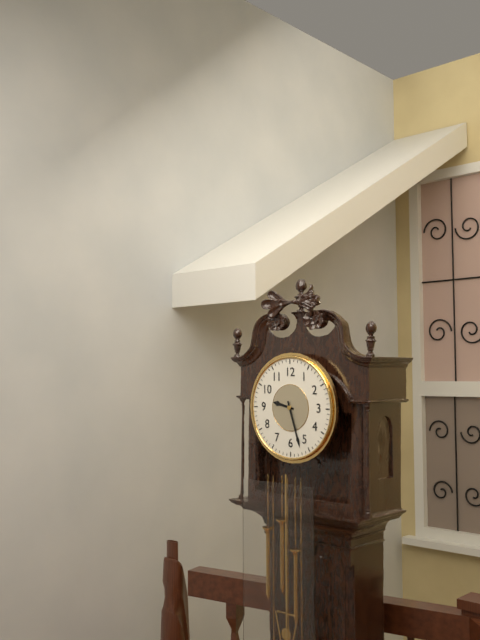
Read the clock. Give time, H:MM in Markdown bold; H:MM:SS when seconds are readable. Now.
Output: **9:27**
